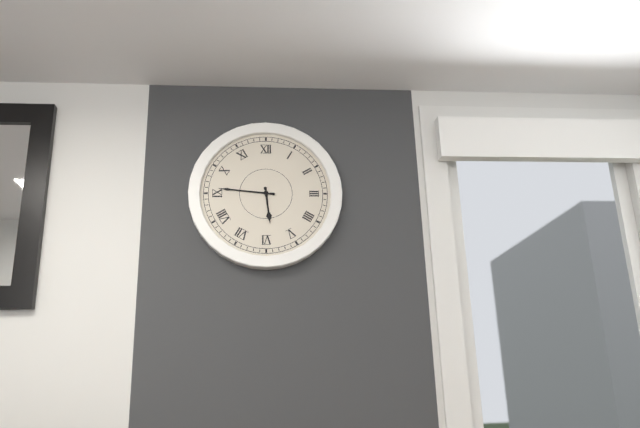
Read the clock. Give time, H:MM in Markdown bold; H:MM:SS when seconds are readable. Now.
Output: **5:46**
